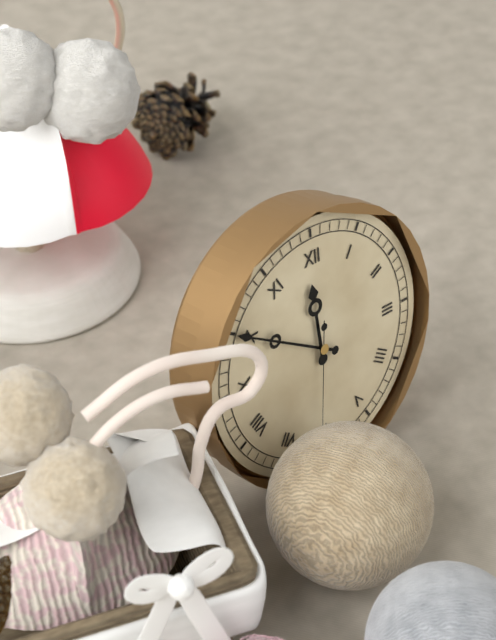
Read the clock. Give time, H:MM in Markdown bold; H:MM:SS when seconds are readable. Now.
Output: **11:50**
